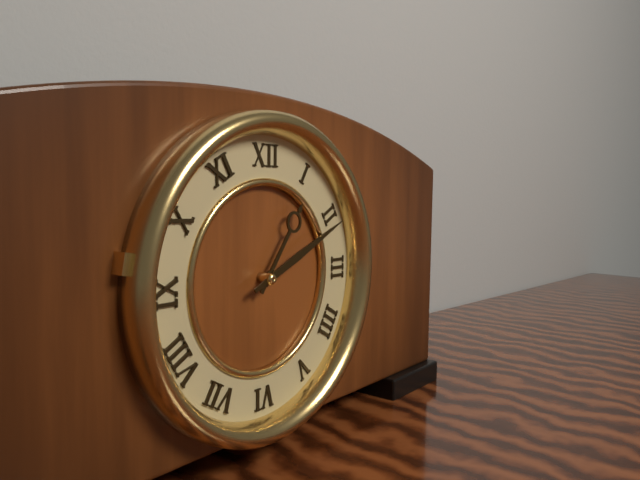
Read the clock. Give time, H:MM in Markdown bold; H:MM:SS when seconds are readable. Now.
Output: **1:11**
